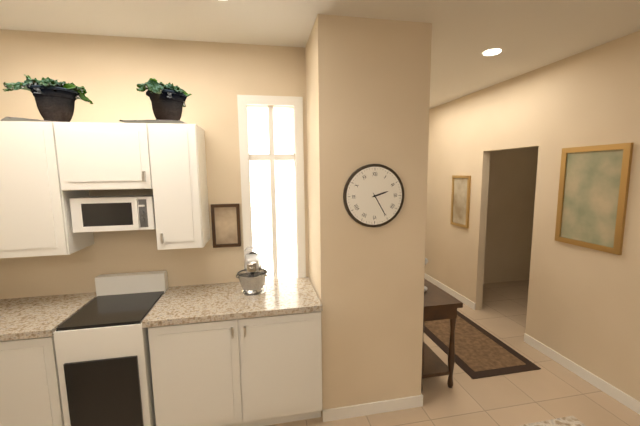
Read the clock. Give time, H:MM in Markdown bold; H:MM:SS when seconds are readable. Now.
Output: **2:25**
